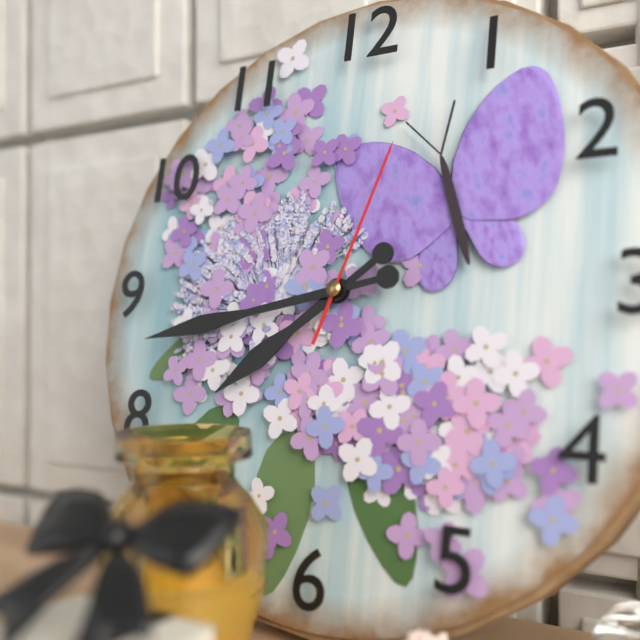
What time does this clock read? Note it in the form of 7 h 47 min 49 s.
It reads 7 h 43 min 03 s
